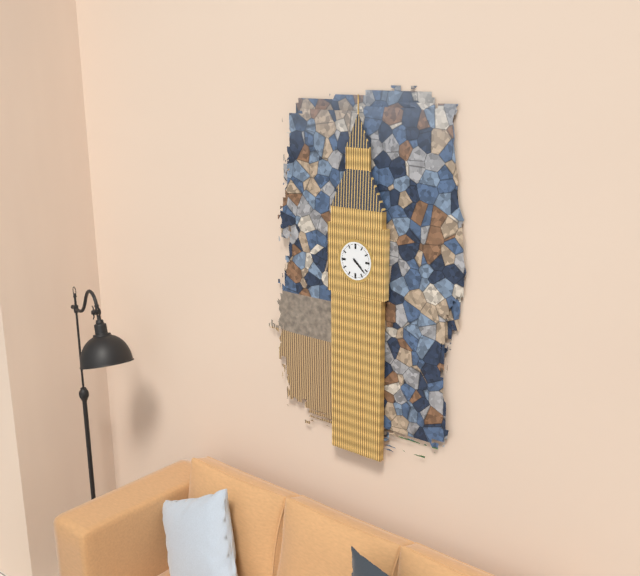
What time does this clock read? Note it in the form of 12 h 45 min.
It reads 4 h 22 min
